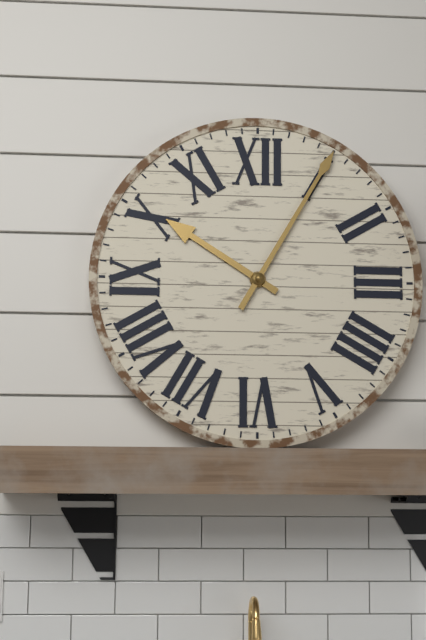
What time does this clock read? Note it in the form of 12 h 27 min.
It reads 10 h 05 min
